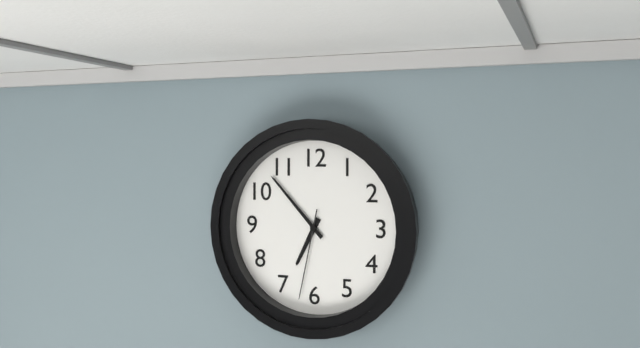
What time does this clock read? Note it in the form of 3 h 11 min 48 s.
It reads 6 h 53 min 32 s
